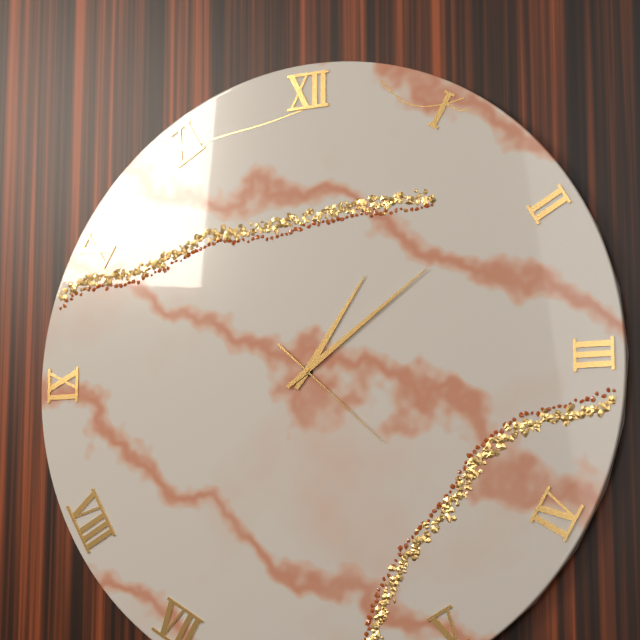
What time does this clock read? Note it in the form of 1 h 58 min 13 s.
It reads 1 h 09 min 22 s
